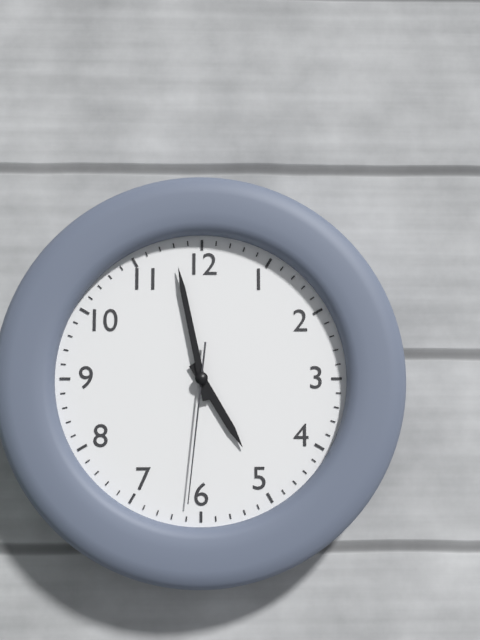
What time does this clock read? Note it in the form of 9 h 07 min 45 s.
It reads 4 h 58 min 31 s
